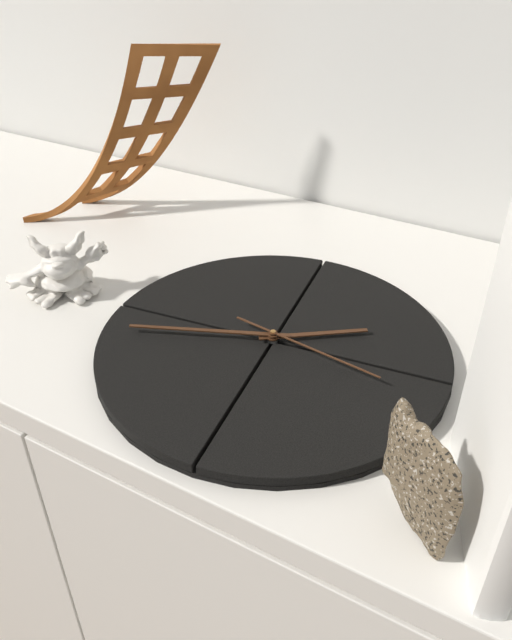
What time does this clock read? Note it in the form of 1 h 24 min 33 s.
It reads 2 h 46 min 21 s
